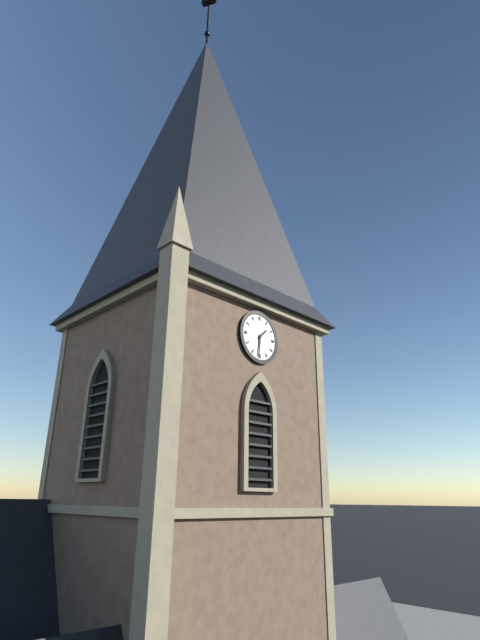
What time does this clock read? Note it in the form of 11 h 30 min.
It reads 1 h 31 min
